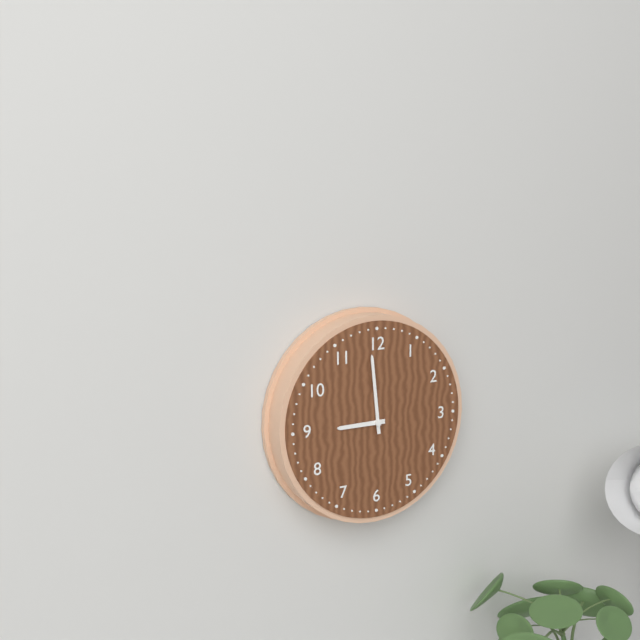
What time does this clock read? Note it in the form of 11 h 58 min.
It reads 8 h 59 min
